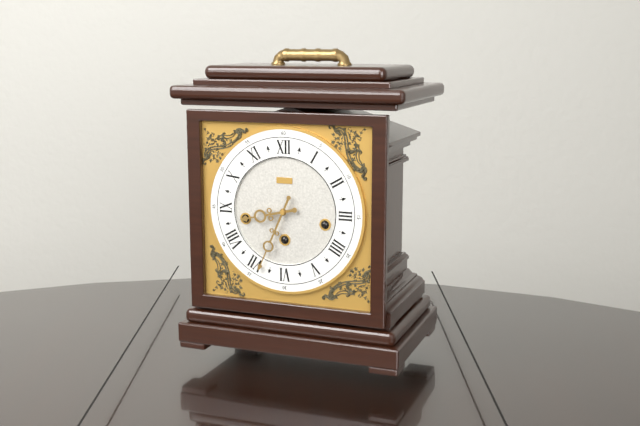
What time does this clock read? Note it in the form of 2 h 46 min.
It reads 8 h 34 min
